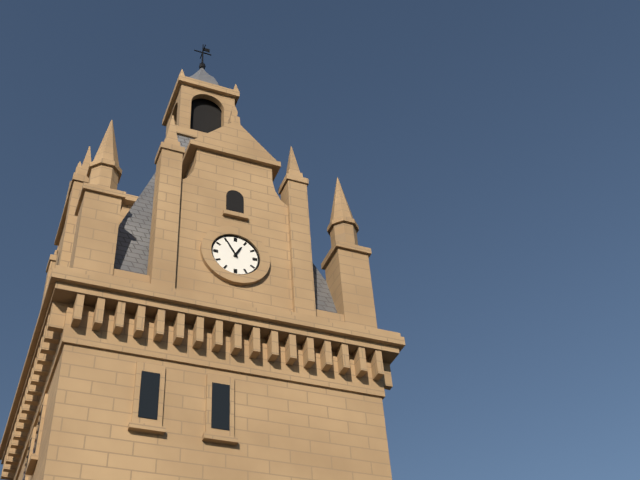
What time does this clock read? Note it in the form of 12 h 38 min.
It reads 12 h 55 min
